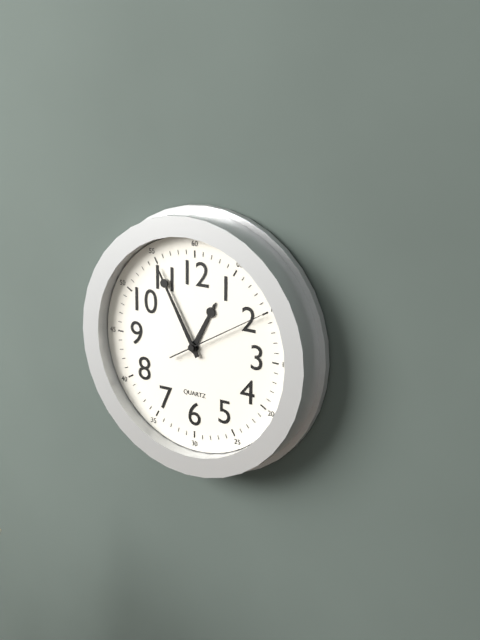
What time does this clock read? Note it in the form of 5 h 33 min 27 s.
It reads 12 h 55 min 10 s
